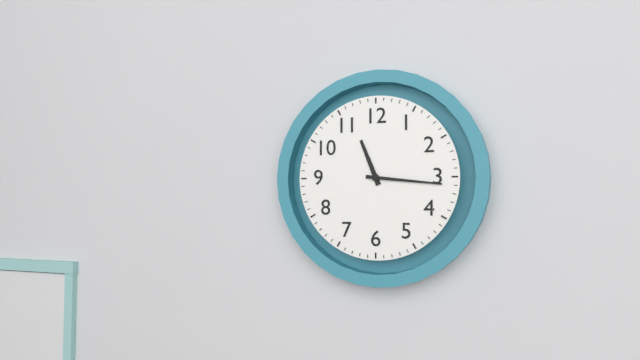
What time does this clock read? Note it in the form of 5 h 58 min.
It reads 11 h 16 min
